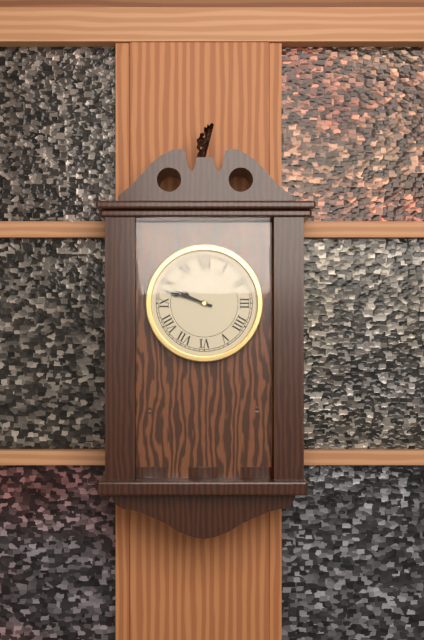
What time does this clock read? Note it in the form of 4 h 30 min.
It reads 9 h 48 min
